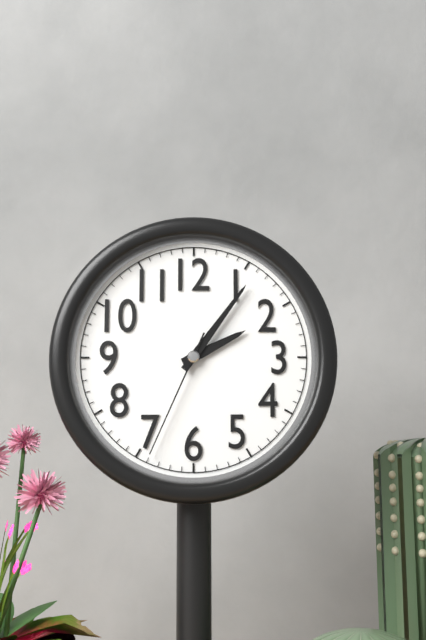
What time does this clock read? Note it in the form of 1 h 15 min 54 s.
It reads 2 h 06 min 34 s
